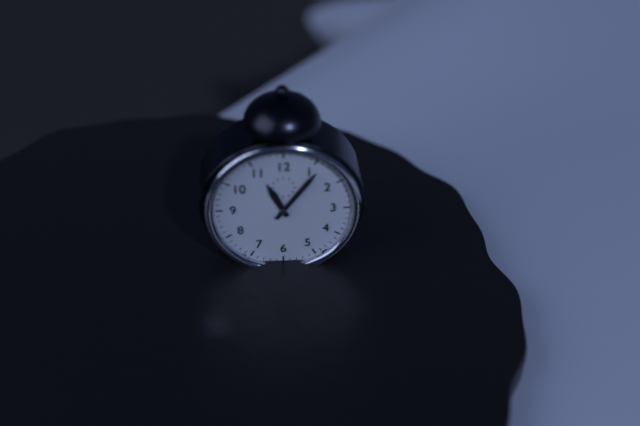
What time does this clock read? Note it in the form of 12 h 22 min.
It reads 11 h 06 min
